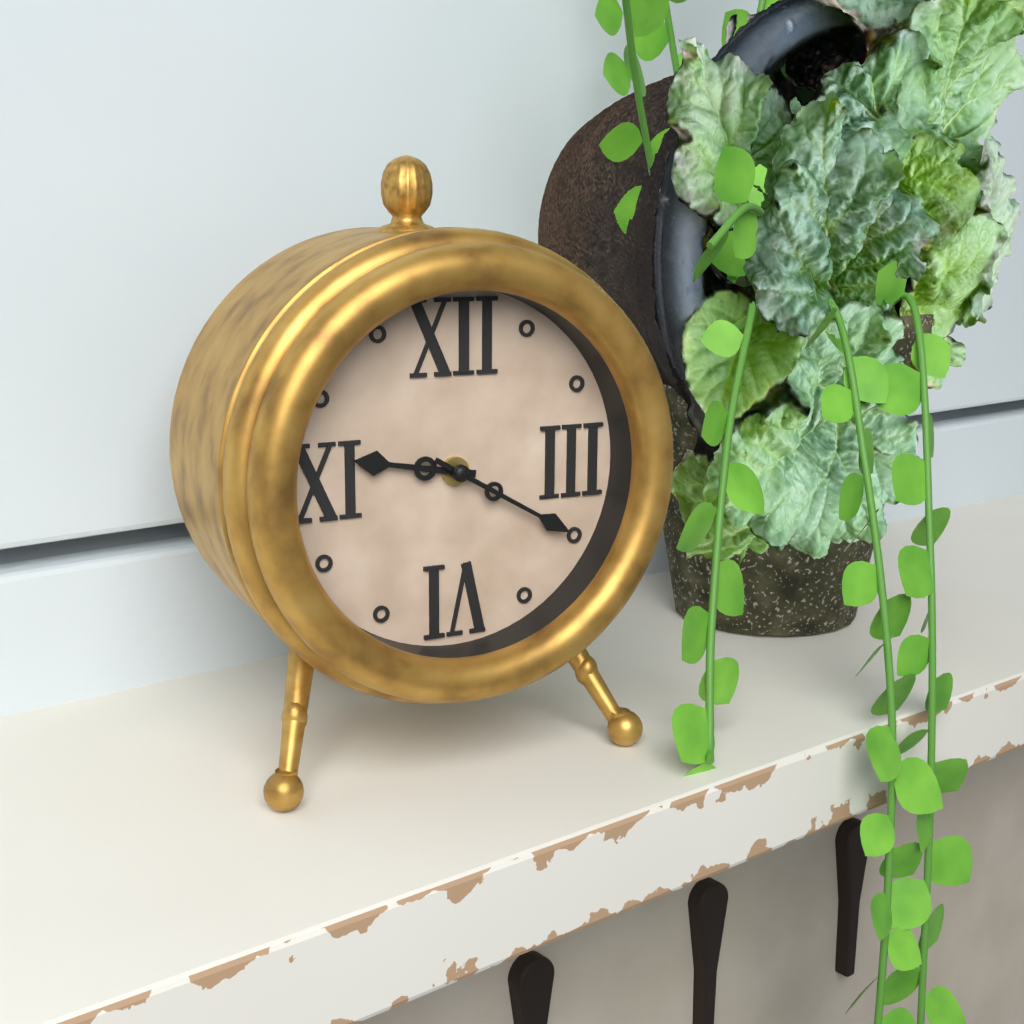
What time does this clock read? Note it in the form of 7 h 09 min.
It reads 9 h 20 min
